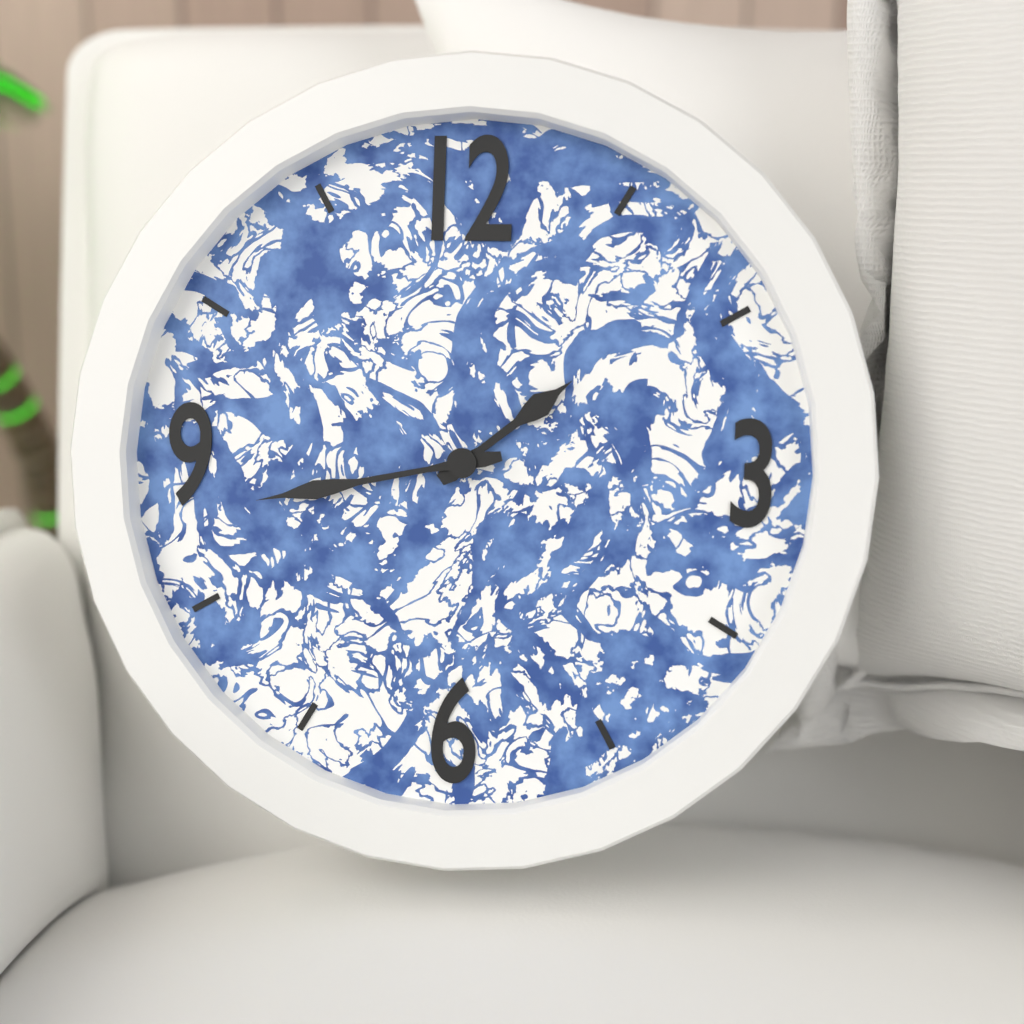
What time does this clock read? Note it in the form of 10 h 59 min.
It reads 1 h 43 min
